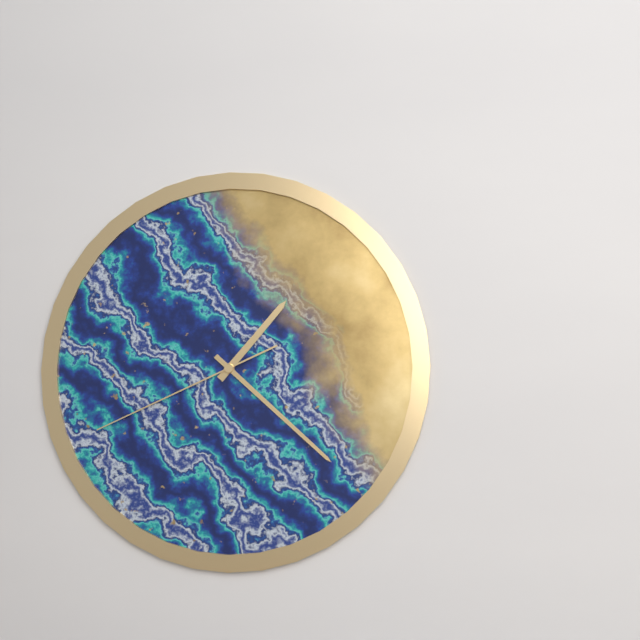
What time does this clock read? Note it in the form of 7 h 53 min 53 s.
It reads 1 h 22 min 41 s
